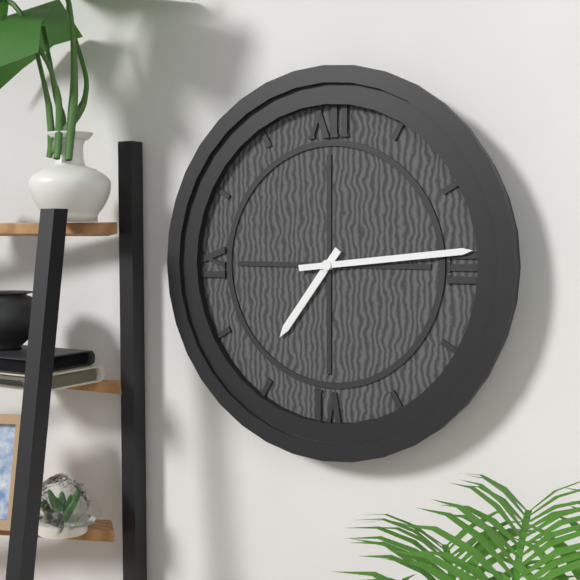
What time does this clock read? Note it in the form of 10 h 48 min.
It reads 7 h 14 min
